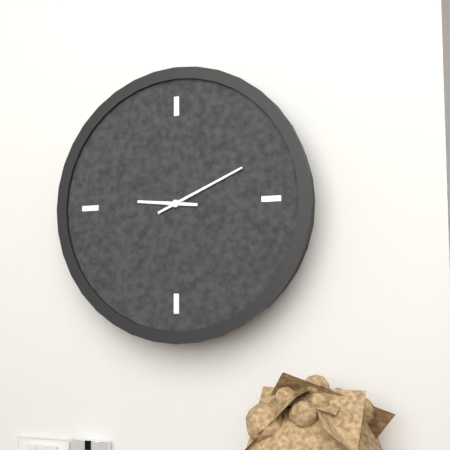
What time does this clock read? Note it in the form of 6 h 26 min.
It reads 9 h 11 min
